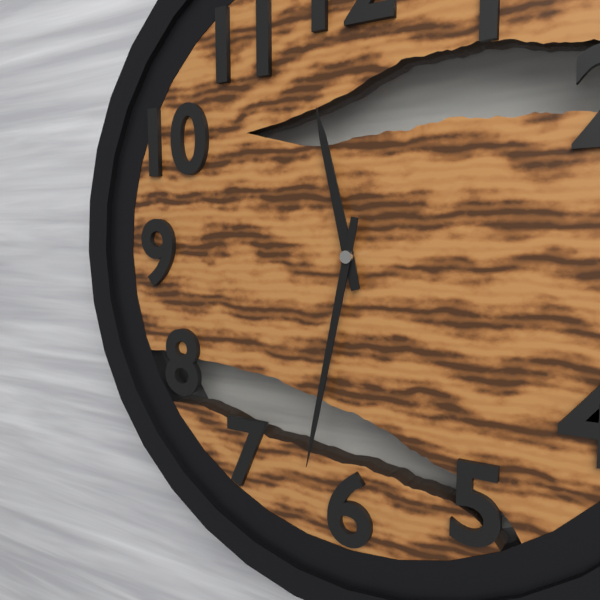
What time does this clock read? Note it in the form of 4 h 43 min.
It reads 11 h 32 min
